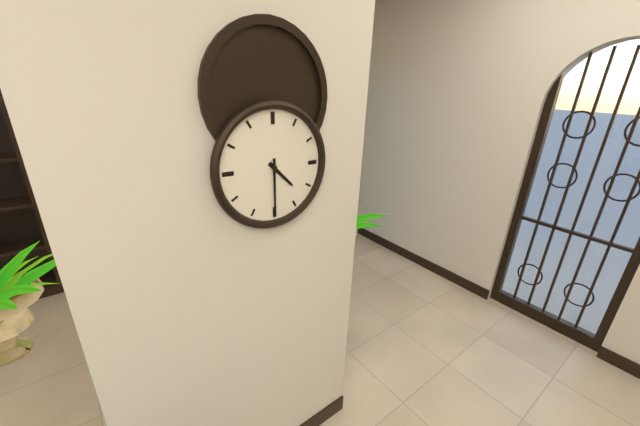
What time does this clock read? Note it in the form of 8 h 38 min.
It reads 4 h 30 min
